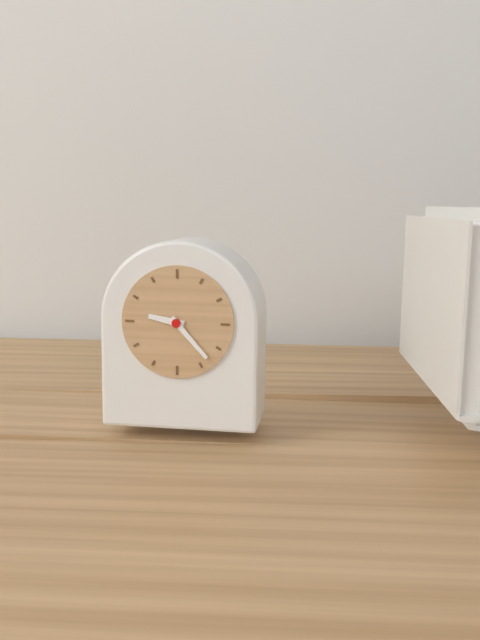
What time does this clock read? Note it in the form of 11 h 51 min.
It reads 9 h 23 min
